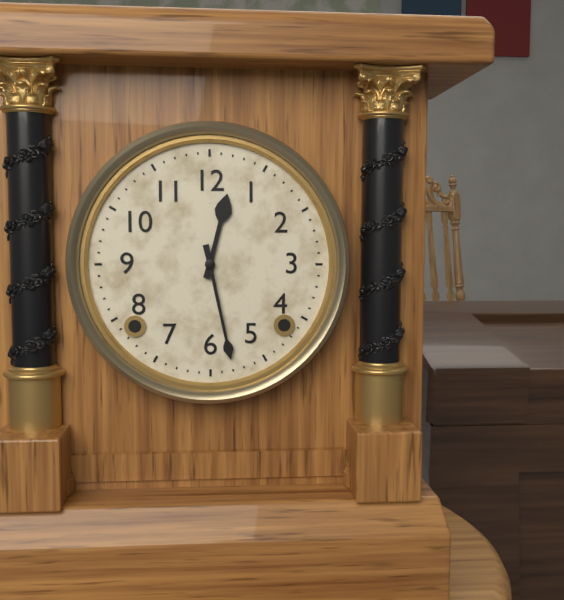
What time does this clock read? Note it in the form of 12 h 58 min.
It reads 12 h 28 min
